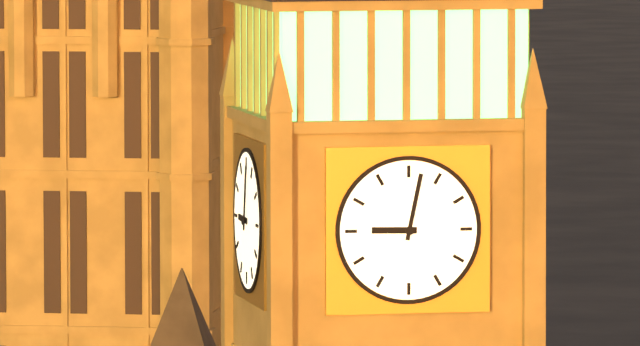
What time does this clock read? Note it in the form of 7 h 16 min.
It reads 9 h 02 min
